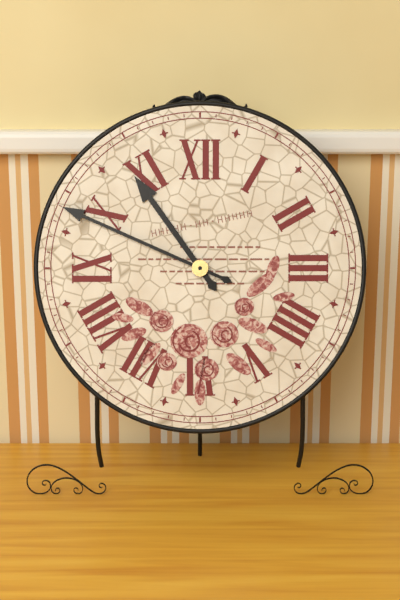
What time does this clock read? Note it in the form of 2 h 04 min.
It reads 10 h 49 min
